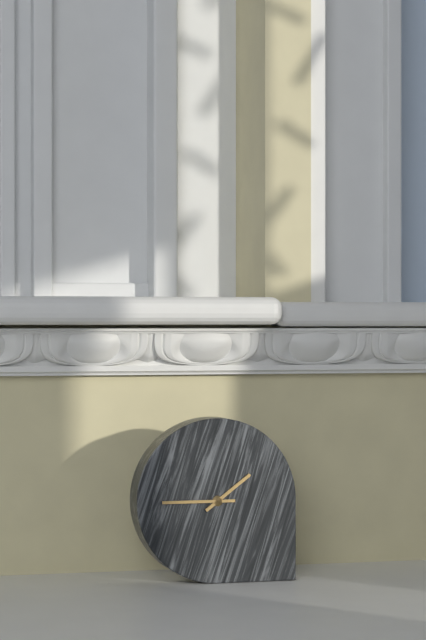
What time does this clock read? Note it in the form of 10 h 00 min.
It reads 1 h 45 min
